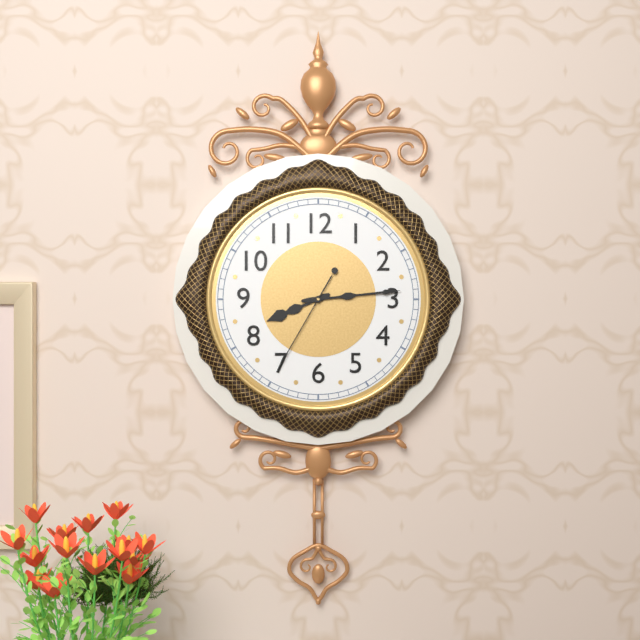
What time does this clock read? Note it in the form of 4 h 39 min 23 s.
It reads 8 h 14 min 35 s
